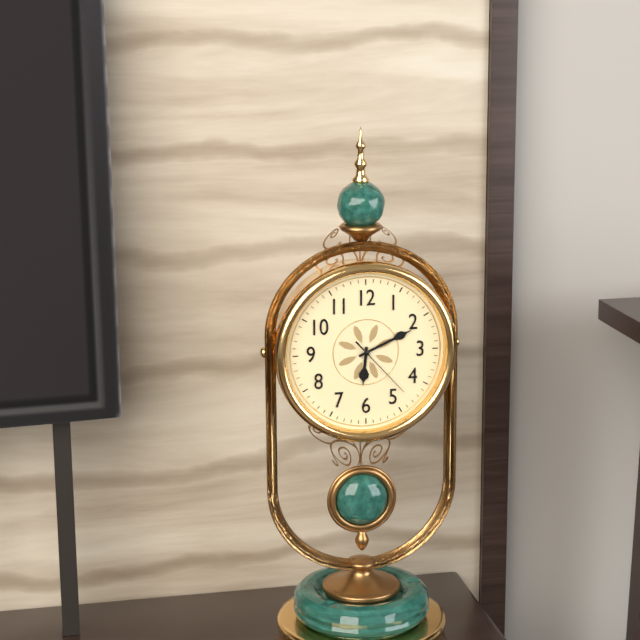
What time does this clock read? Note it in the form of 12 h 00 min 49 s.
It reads 6 h 11 min 23 s
